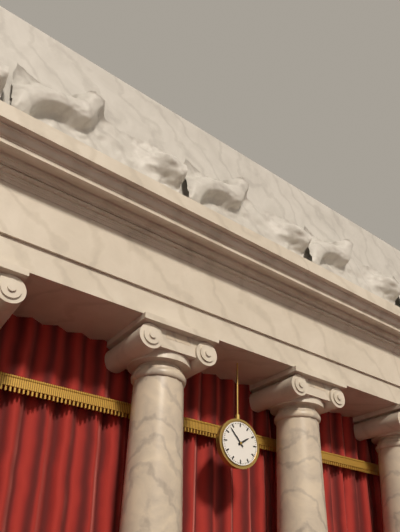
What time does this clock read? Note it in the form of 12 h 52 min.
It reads 1 h 53 min
